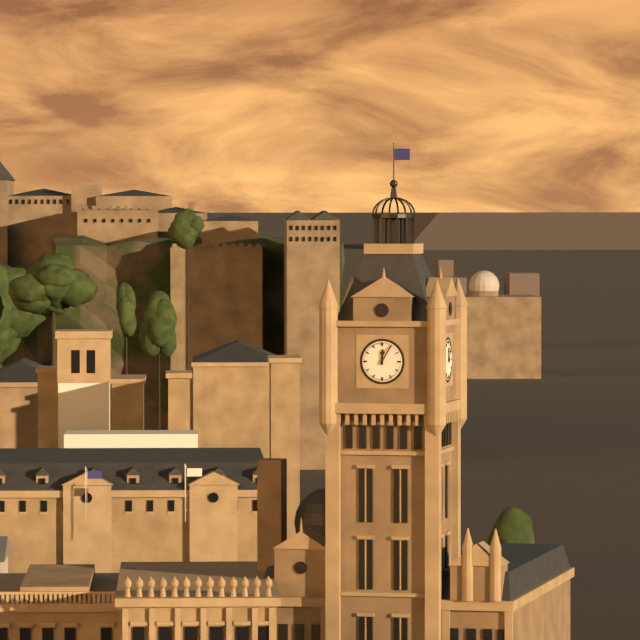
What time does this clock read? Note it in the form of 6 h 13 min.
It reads 12 h 05 min
